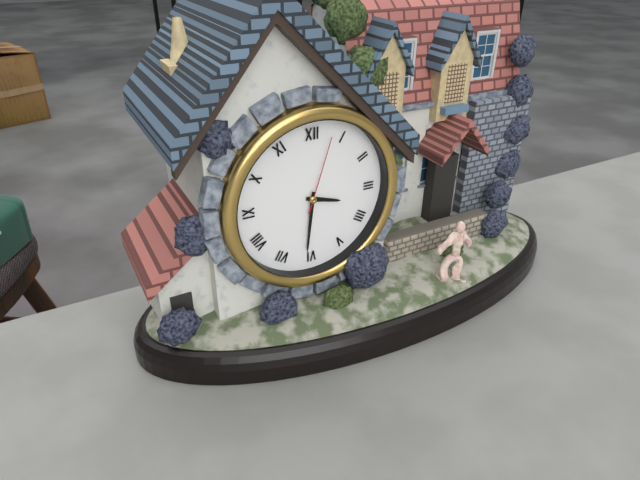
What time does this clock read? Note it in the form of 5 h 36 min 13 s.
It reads 3 h 31 min 03 s
